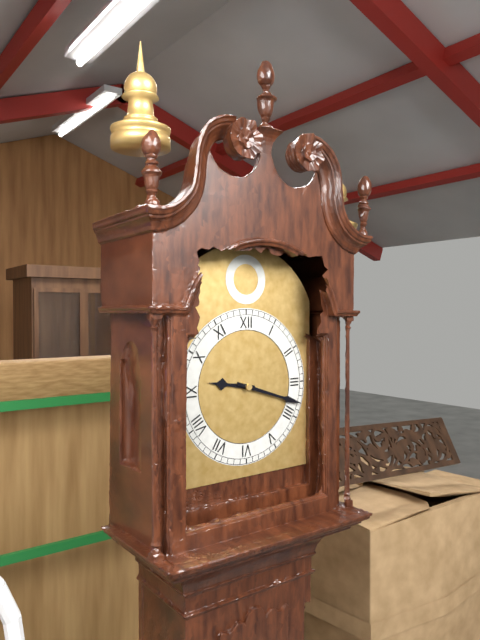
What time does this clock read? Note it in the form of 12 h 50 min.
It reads 9 h 18 min
